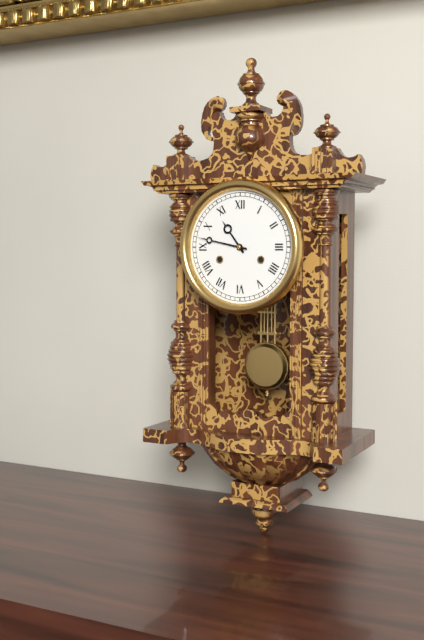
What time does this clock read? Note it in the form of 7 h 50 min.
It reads 10 h 47 min
